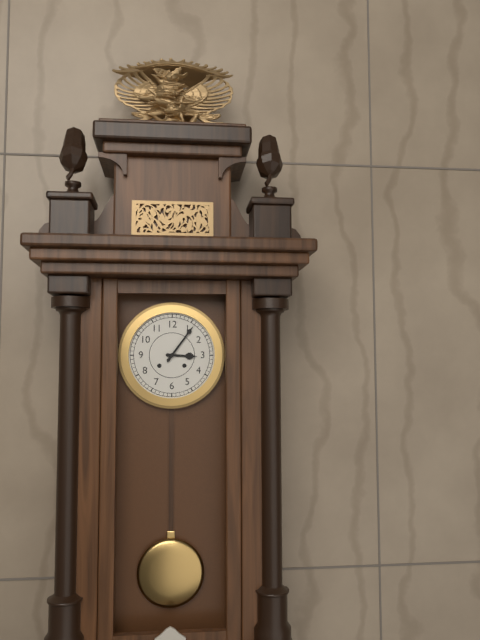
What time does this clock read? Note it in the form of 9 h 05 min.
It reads 3 h 06 min
